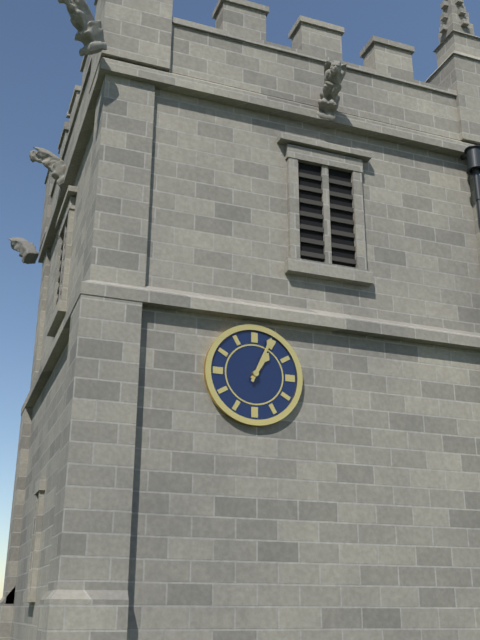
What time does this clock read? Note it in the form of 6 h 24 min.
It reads 1 h 04 min
